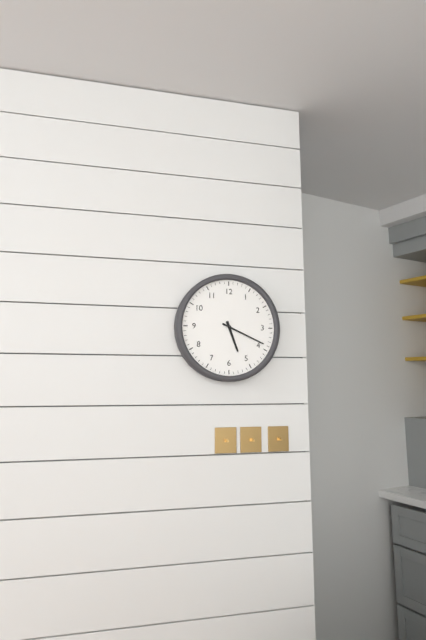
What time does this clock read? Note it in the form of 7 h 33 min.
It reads 5 h 19 min
